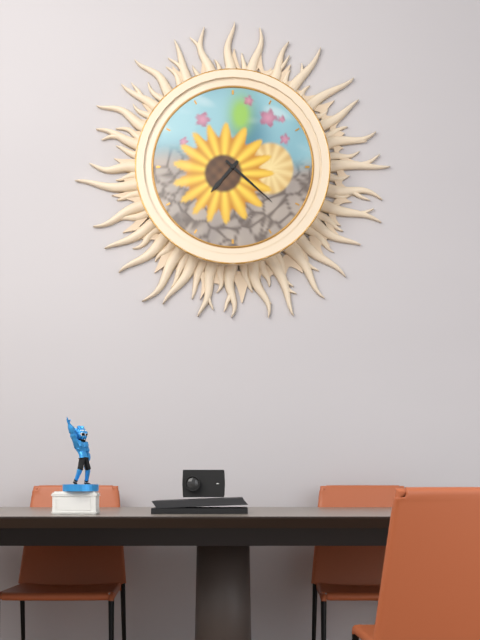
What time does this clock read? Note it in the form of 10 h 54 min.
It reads 7 h 22 min
